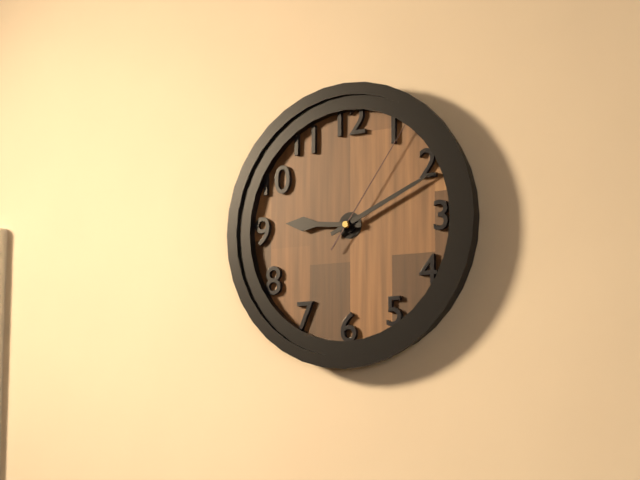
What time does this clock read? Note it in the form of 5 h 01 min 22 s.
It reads 9 h 11 min 06 s
